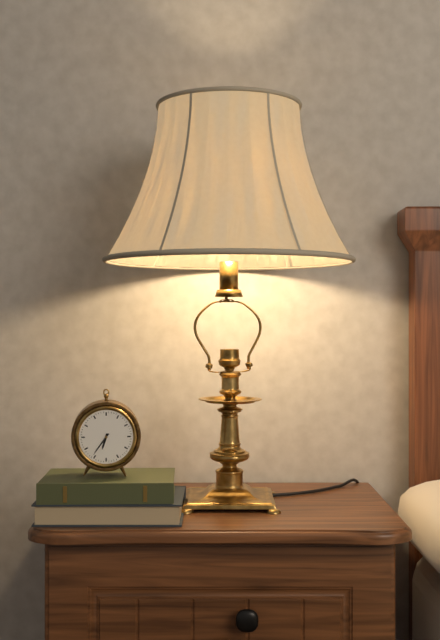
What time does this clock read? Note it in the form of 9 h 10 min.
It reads 6 h 36 min
